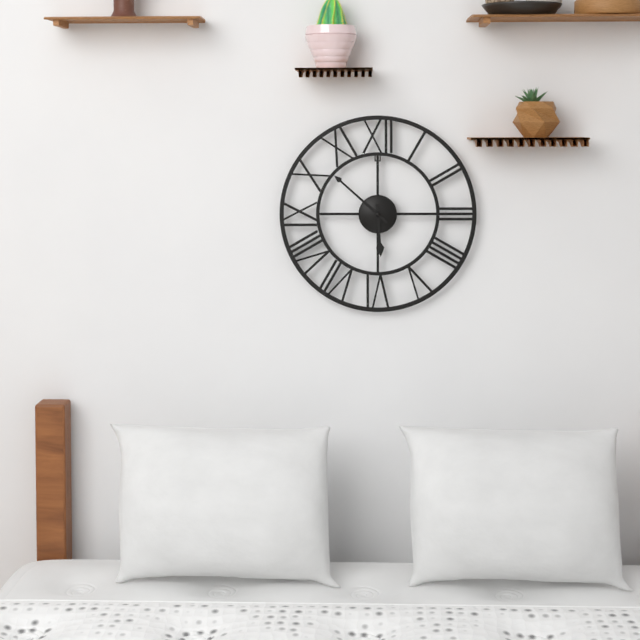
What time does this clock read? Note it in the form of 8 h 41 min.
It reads 5 h 52 min
